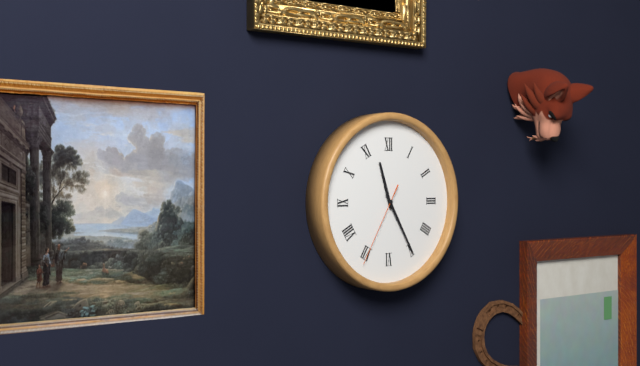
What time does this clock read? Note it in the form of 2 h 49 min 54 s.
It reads 11 h 25 min 35 s
